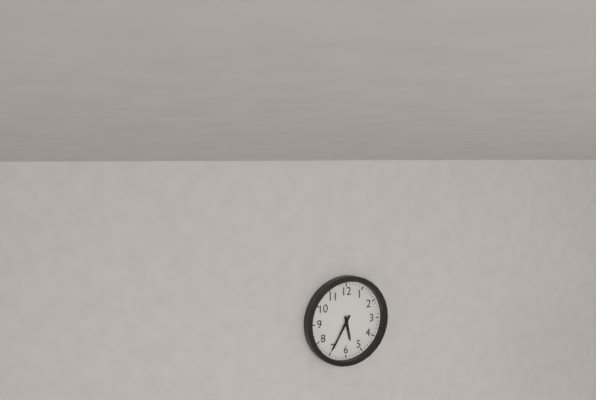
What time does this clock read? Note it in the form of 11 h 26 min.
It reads 5 h 35 min
